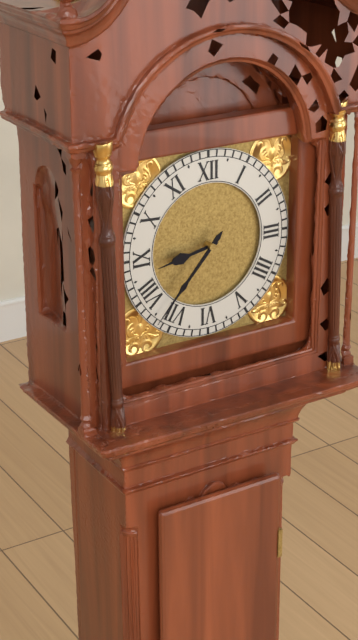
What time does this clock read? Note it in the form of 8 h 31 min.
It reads 8 h 37 min
